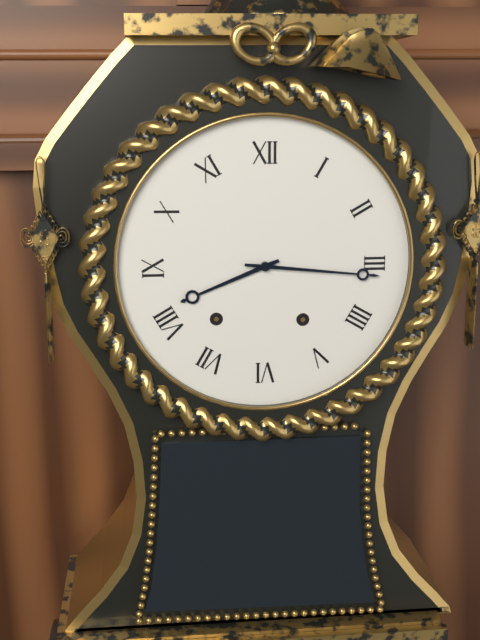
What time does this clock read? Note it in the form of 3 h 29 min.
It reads 8 h 16 min
